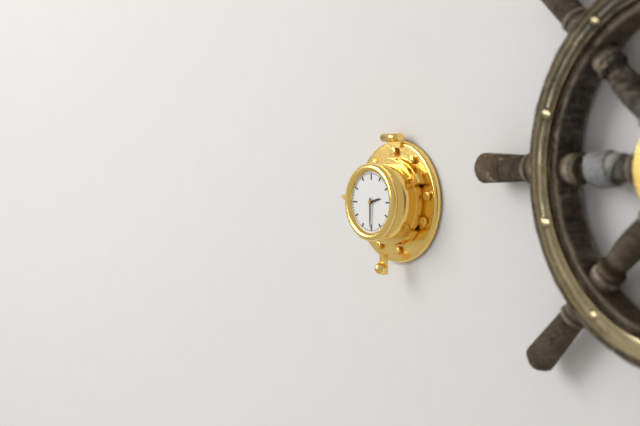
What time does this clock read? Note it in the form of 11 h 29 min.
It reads 2 h 30 min
